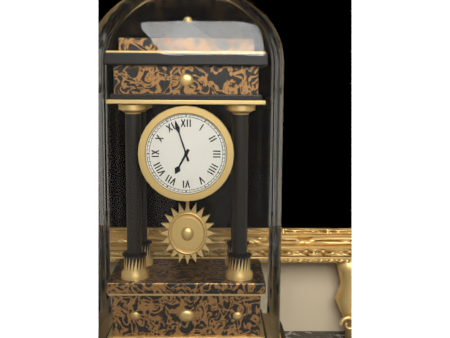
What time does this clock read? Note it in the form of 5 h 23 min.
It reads 6 h 57 min
